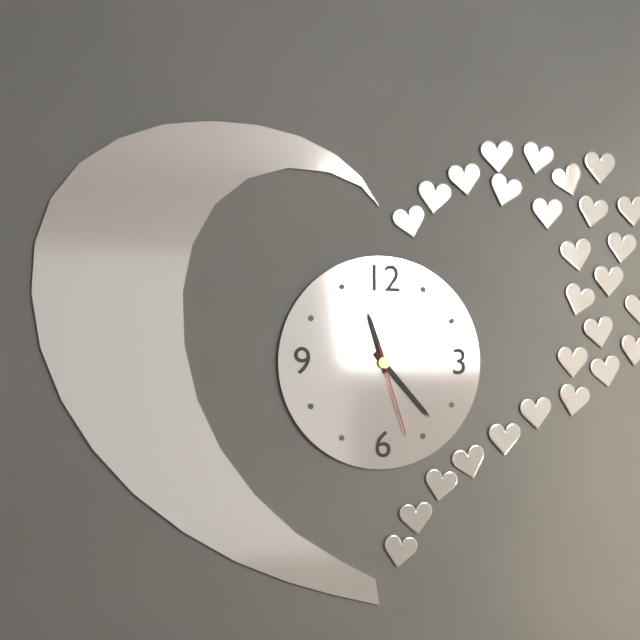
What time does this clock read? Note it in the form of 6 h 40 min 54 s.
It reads 11 h 23 min 27 s
